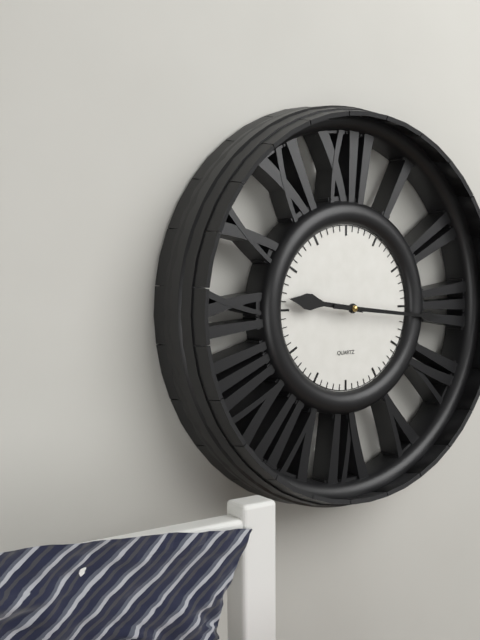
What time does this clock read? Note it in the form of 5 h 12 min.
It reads 9 h 16 min
